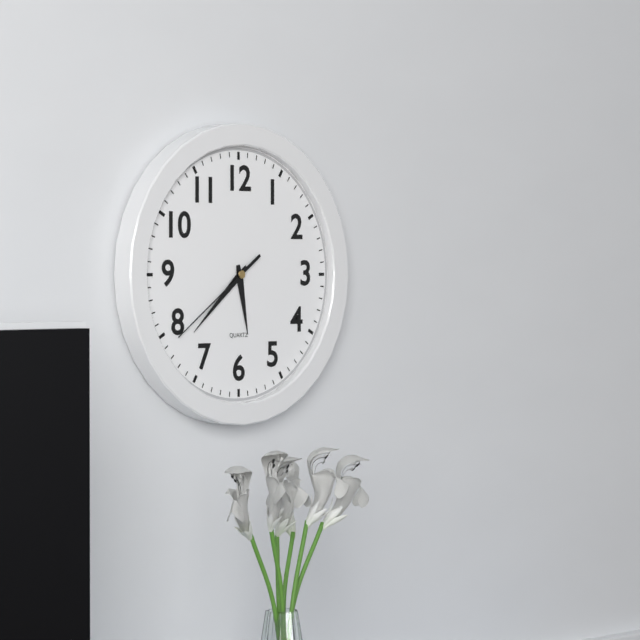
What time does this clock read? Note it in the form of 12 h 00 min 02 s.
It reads 5 h 38 min 39 s
